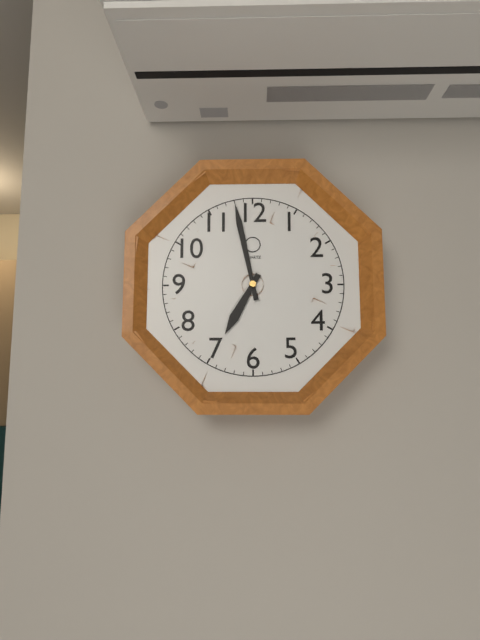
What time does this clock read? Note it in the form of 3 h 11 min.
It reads 6 h 58 min
